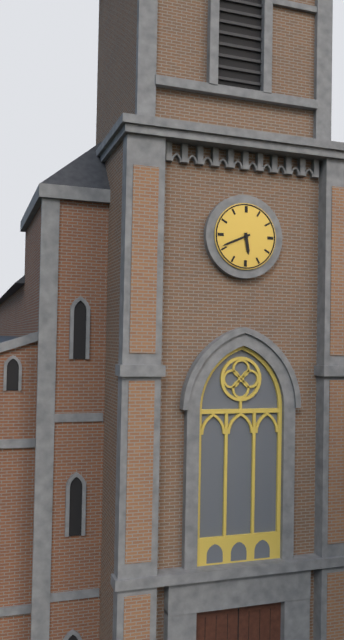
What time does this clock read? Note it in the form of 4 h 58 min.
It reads 5 h 41 min
